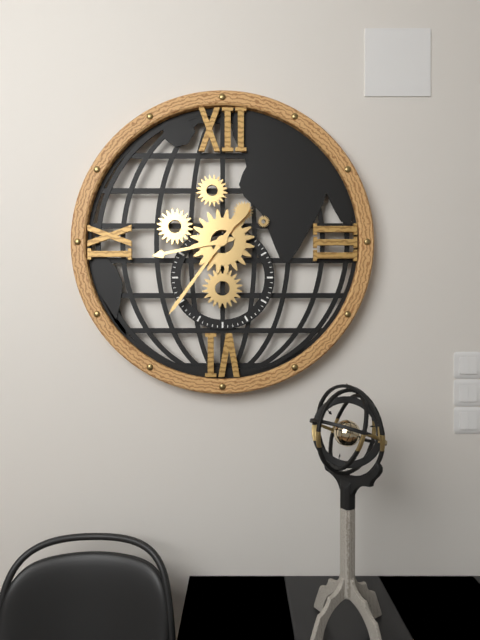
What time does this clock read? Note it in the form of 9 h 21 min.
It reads 8 h 36 min
